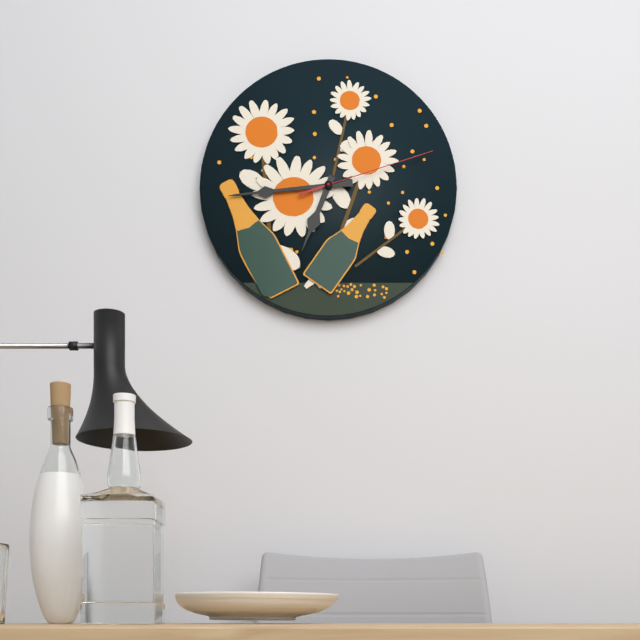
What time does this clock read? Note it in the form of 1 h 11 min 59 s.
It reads 6 h 44 min 12 s
